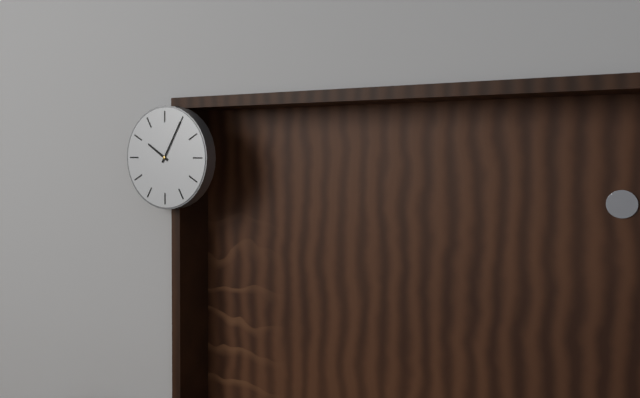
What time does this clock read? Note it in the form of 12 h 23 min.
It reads 10 h 05 min
